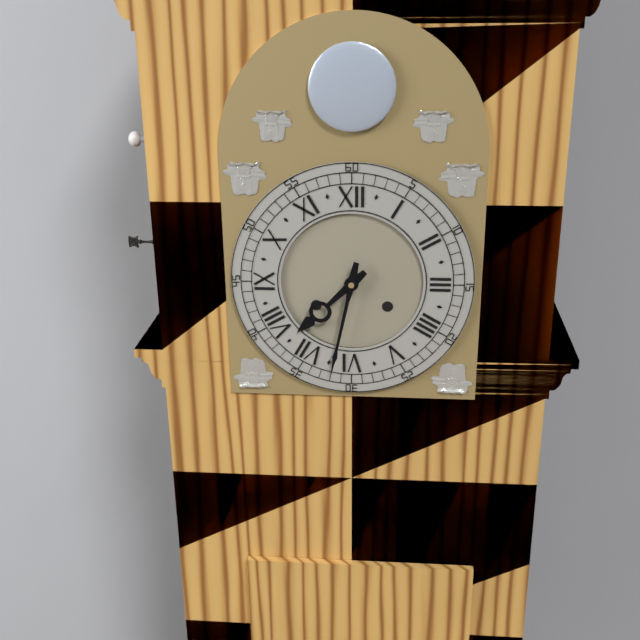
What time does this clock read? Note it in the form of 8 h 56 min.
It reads 7 h 32 min
